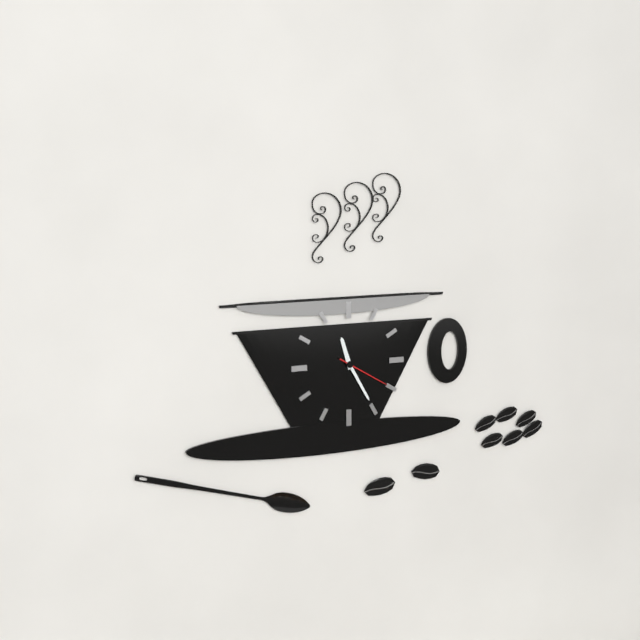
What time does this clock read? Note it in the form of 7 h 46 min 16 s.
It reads 11 h 25 min 20 s
